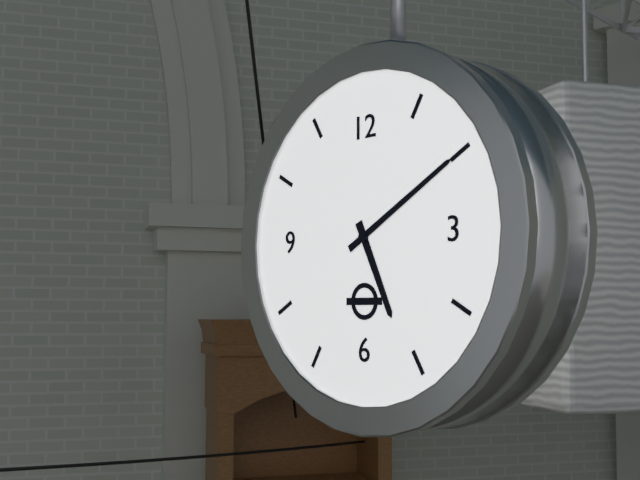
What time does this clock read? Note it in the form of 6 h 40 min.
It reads 5 h 10 min
